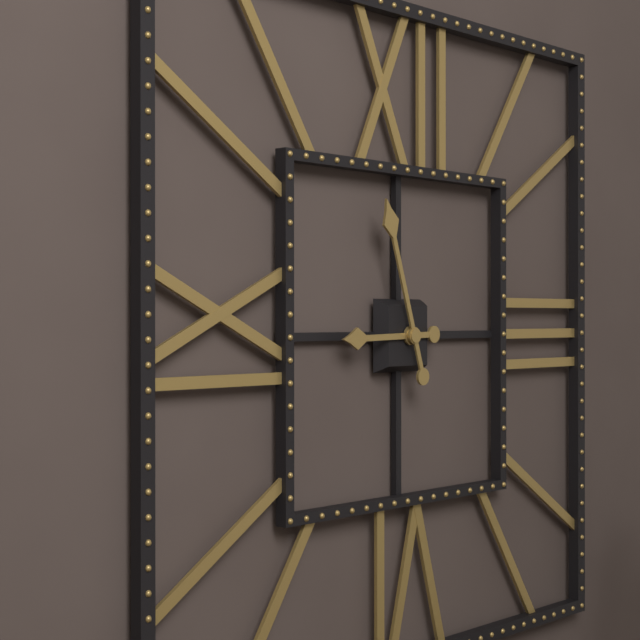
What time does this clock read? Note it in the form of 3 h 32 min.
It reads 8 h 57 min
